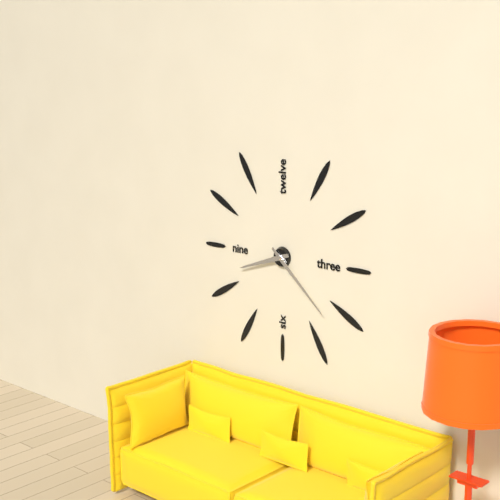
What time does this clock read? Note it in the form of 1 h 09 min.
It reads 8 h 22 min
